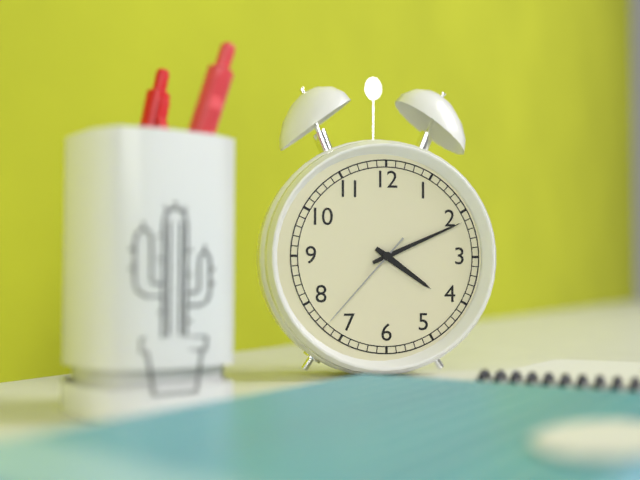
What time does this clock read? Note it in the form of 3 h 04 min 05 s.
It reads 4 h 11 min 37 s
